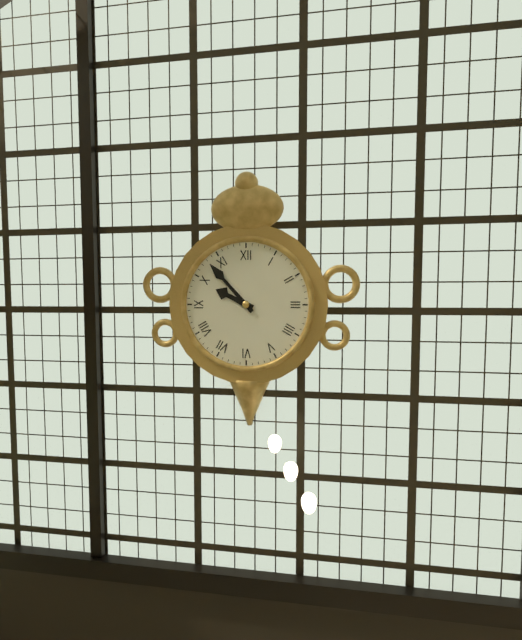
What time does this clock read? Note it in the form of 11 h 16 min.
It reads 9 h 53 min
